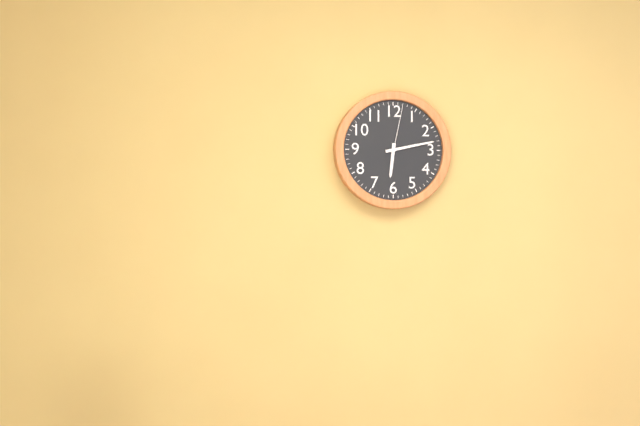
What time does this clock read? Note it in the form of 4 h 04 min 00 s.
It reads 6 h 13 min 02 s
